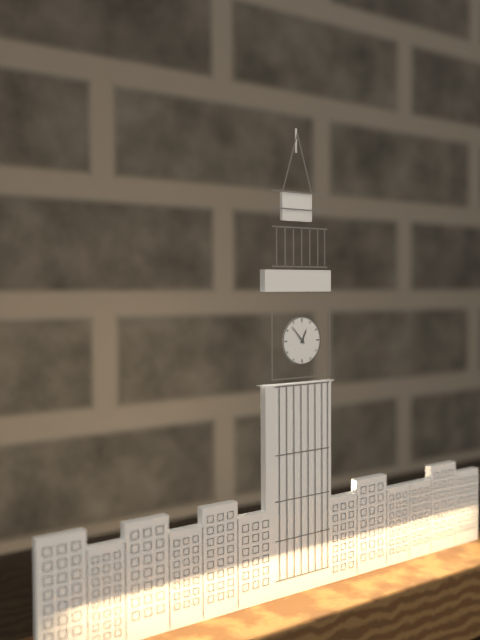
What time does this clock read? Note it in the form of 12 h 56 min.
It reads 12 h 53 min
